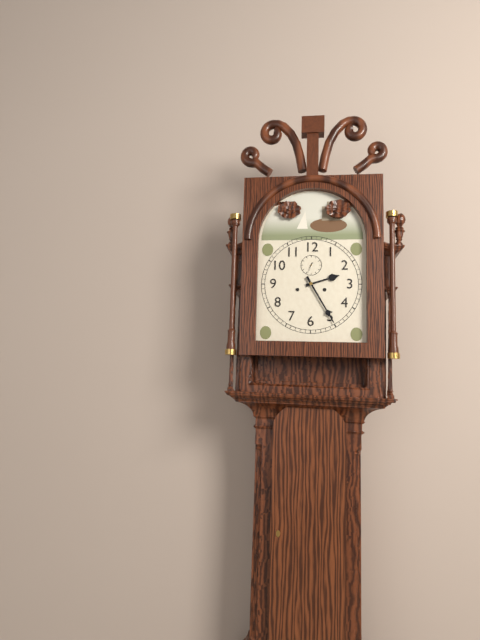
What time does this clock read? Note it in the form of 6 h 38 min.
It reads 2 h 25 min
